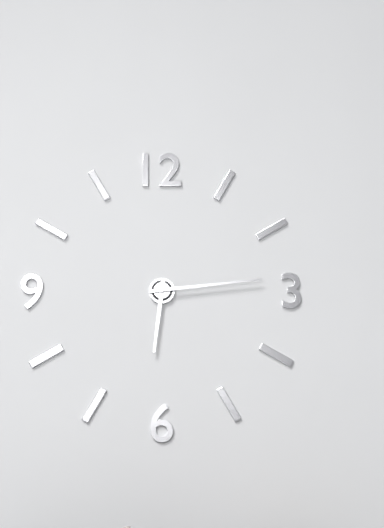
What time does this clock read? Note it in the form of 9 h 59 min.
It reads 6 h 14 min
